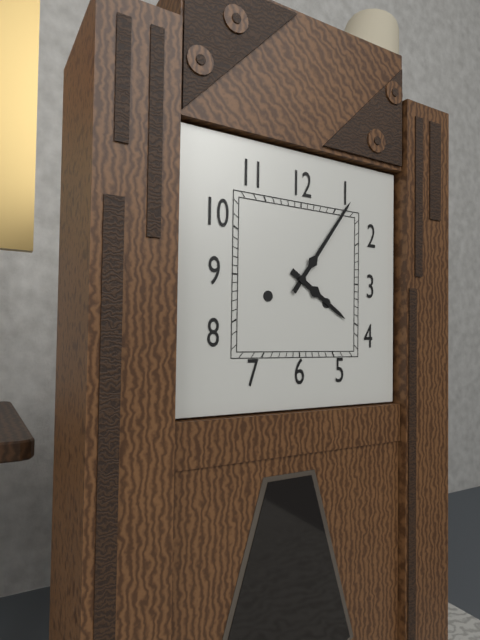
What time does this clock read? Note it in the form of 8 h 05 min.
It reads 4 h 06 min
